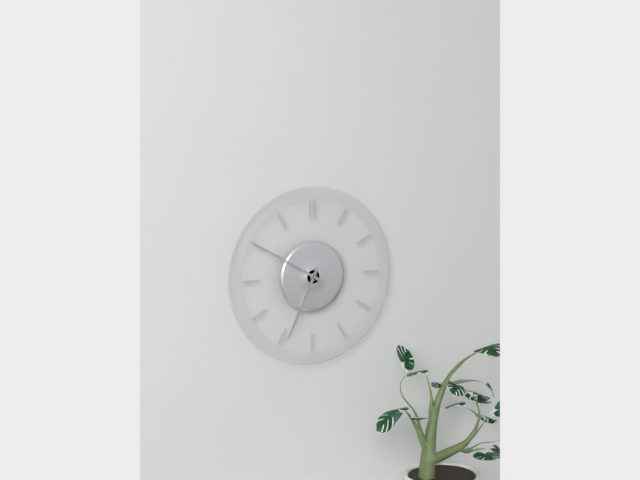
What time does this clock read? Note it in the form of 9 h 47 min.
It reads 6 h 50 min
